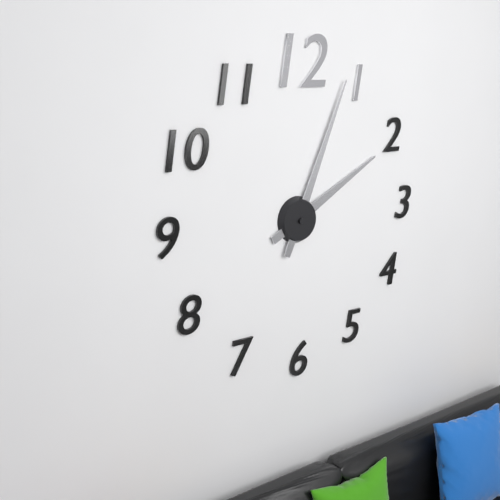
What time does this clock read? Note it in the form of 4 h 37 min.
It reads 2 h 04 min
